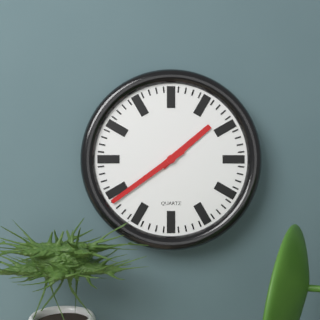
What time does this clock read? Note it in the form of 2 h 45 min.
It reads 1 h 39 min
